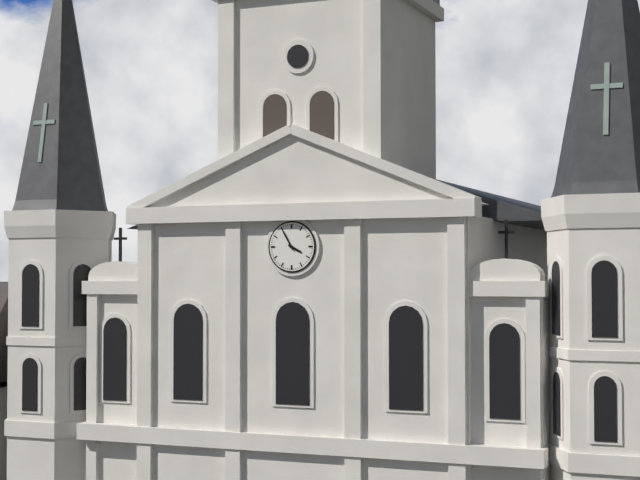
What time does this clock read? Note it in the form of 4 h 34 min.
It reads 3 h 55 min
